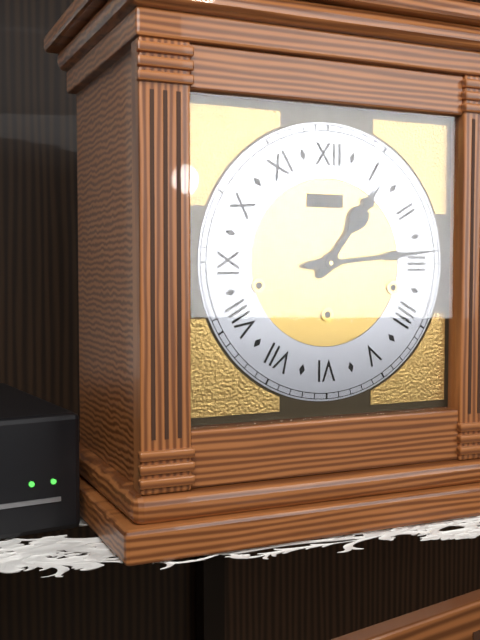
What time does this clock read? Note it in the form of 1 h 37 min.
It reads 1 h 14 min
